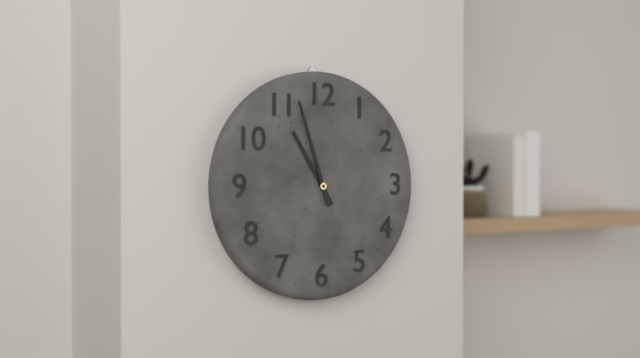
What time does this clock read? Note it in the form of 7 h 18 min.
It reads 10 h 57 min
